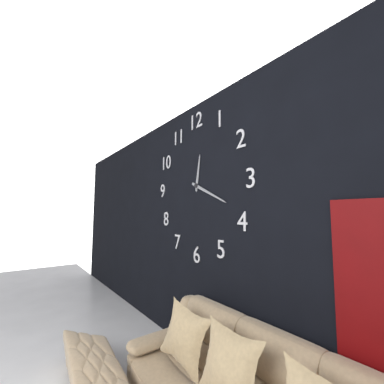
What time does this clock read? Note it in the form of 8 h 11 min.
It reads 12 h 19 min
